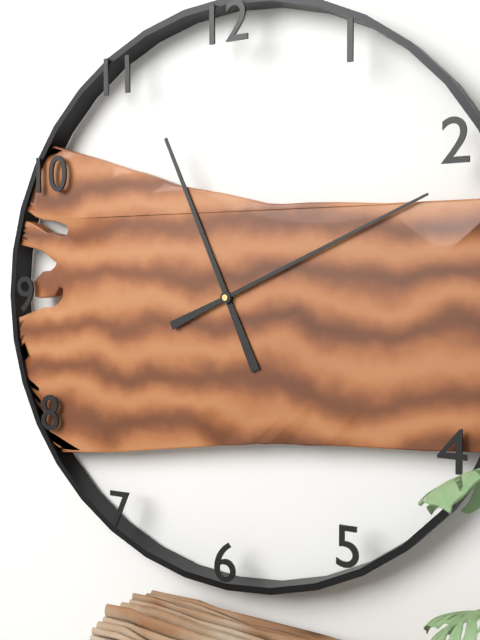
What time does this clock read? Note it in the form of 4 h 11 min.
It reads 11 h 11 min
